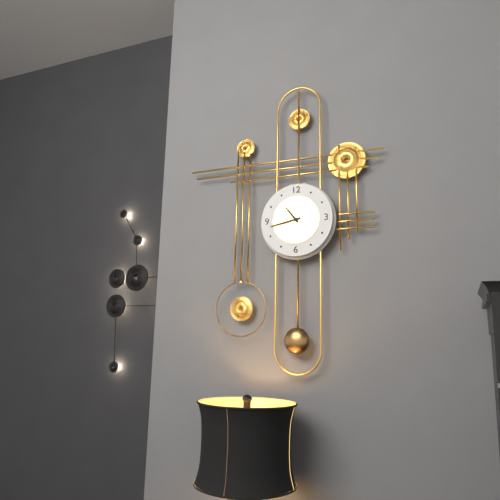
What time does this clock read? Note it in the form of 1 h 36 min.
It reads 10 h 43 min
